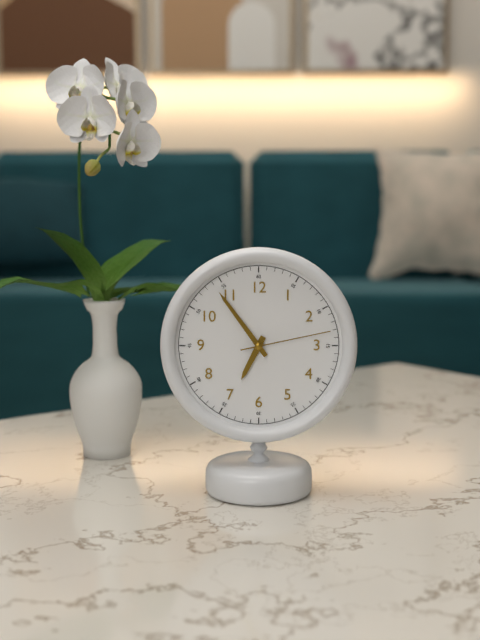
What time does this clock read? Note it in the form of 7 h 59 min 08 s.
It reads 6 h 54 min 13 s
